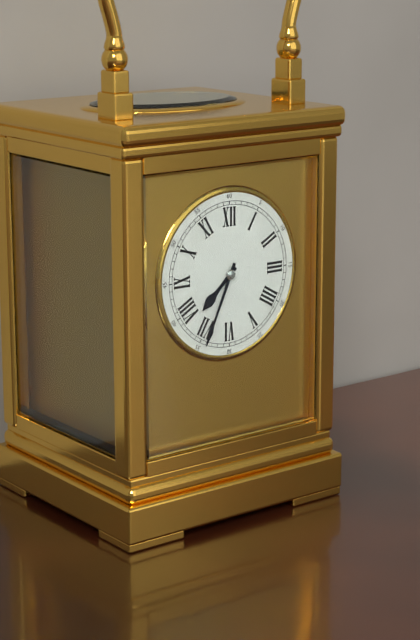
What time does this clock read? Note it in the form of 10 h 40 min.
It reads 7 h 34 min
